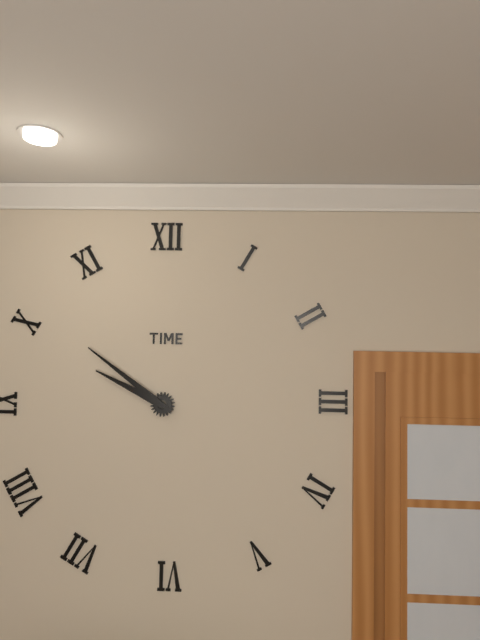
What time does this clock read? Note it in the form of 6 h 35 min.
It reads 9 h 51 min
